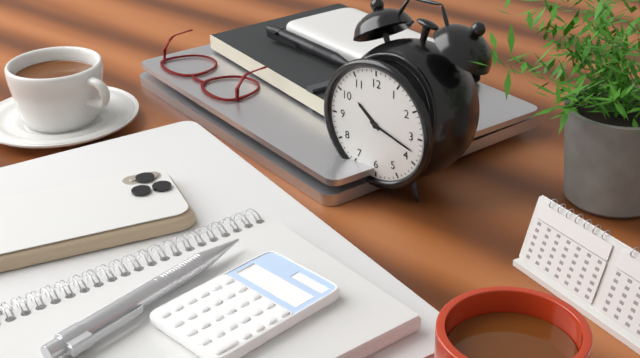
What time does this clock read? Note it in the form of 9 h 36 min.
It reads 10 h 18 min
